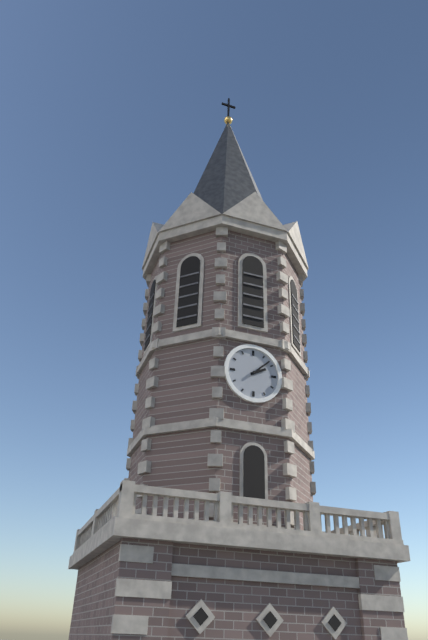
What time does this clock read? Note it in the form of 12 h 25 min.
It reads 2 h 08 min
